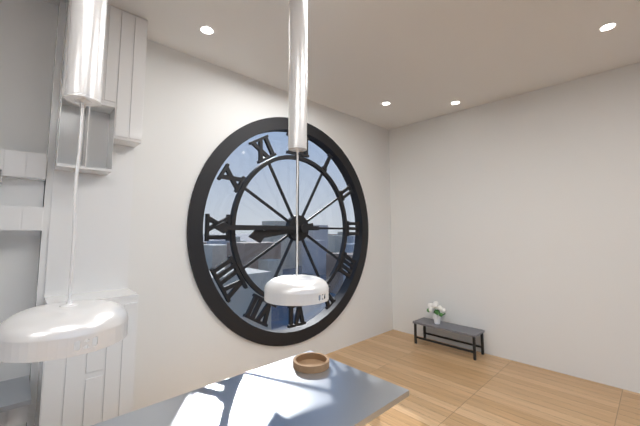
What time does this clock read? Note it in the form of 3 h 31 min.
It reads 8 h 45 min
